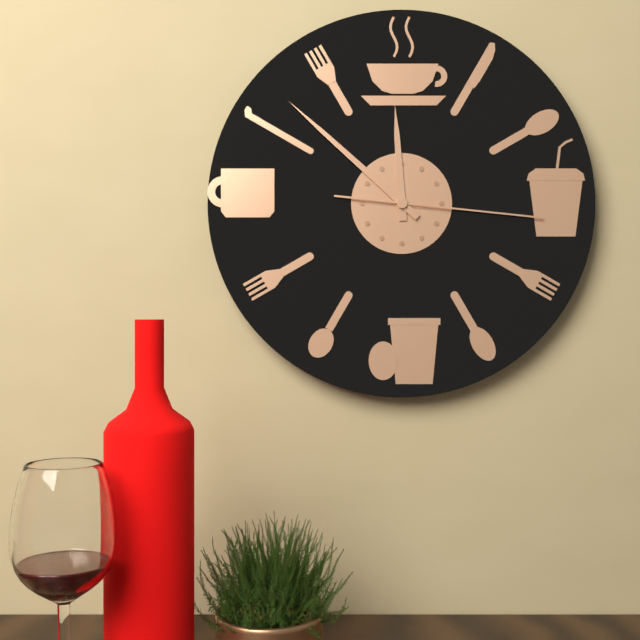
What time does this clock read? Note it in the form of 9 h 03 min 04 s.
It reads 11 h 52 min 16 s
